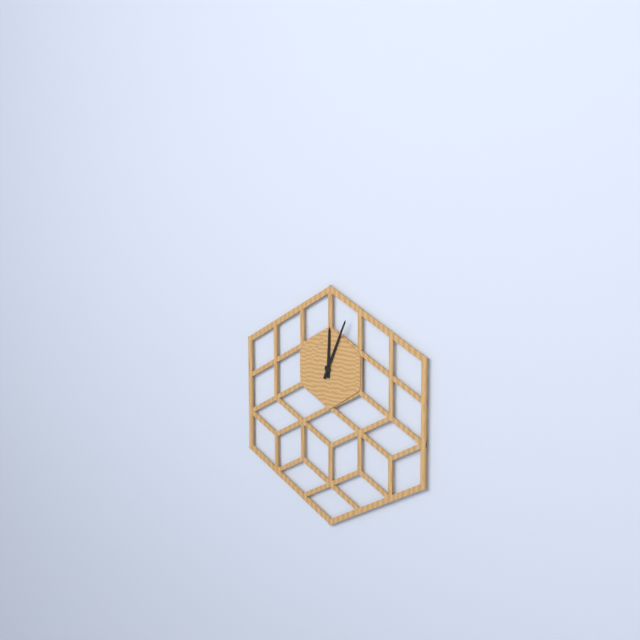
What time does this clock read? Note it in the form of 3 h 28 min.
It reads 12 h 04 min
